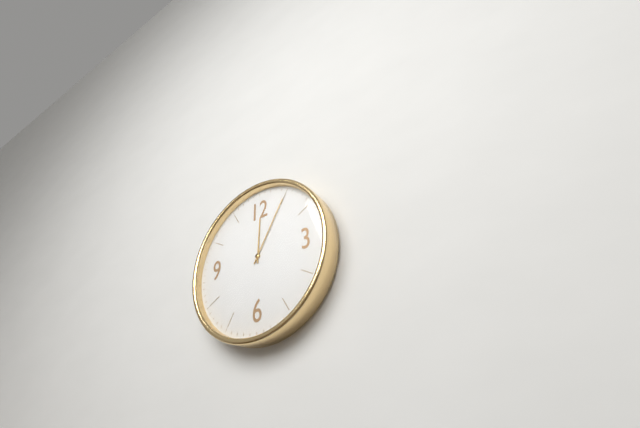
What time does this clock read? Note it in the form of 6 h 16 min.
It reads 12 h 05 min
